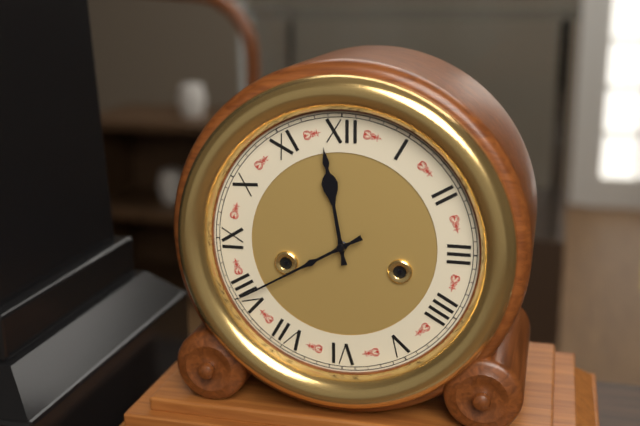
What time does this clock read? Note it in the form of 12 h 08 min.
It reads 11 h 40 min
